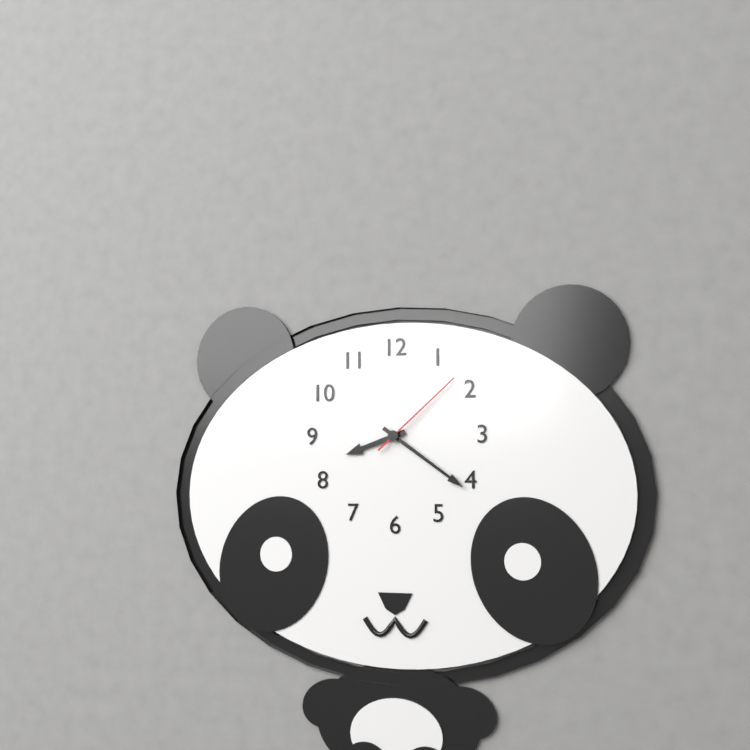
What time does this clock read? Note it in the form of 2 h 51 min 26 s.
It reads 8 h 21 min 08 s
